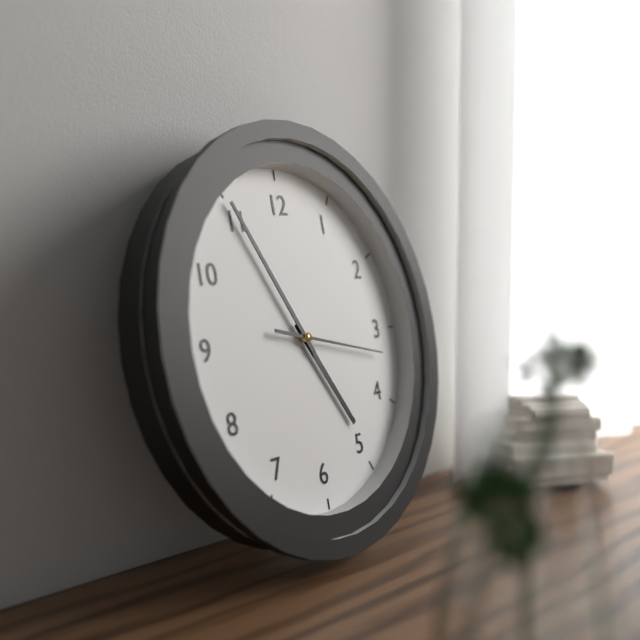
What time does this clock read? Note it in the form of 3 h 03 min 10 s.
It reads 4 h 55 min 17 s
